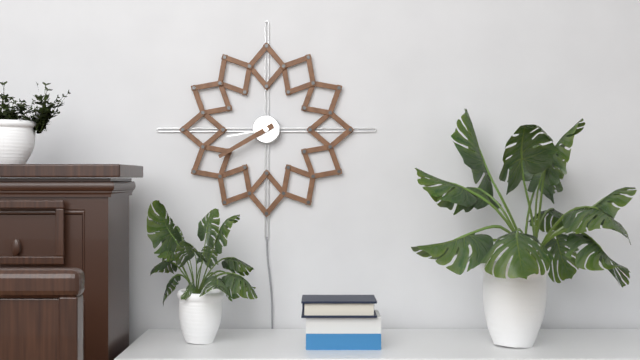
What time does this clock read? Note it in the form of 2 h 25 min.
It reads 8 h 40 min
